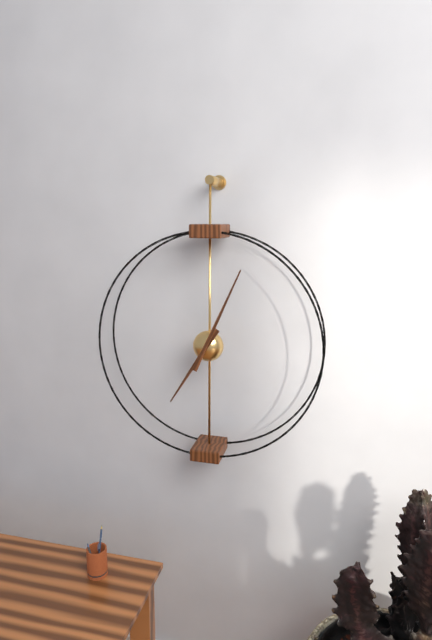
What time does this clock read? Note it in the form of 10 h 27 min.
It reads 7 h 04 min
